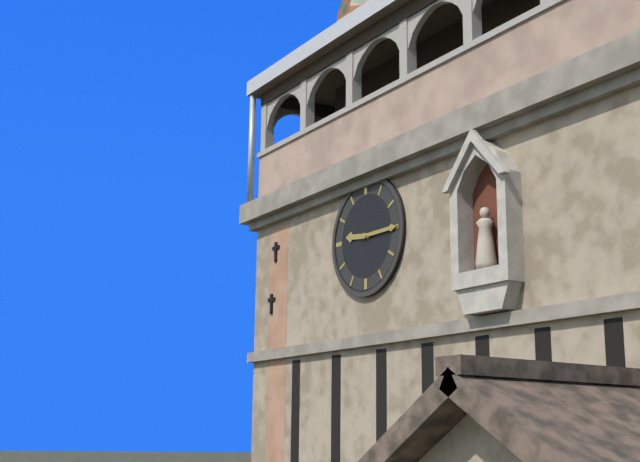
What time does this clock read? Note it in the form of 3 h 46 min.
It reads 9 h 15 min
